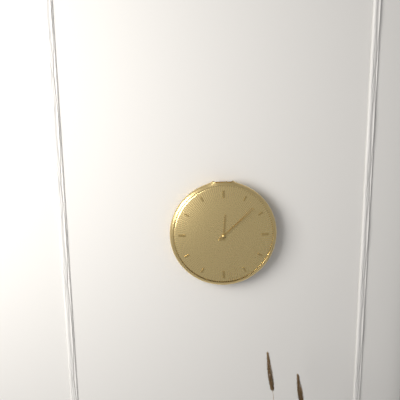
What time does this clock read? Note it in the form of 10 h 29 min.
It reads 12 h 08 min
